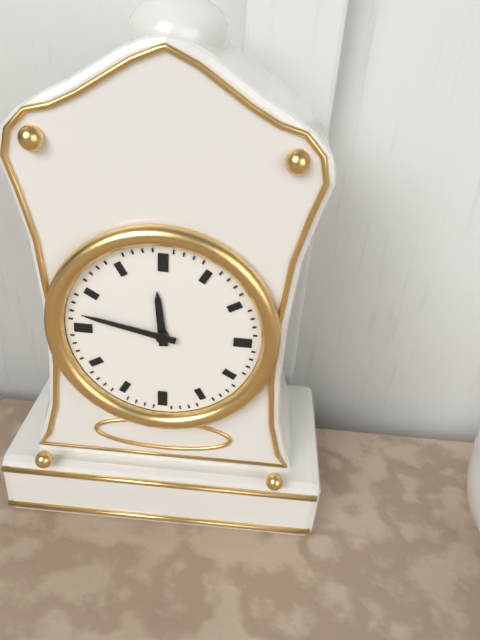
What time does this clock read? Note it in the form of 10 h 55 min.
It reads 11 h 47 min
